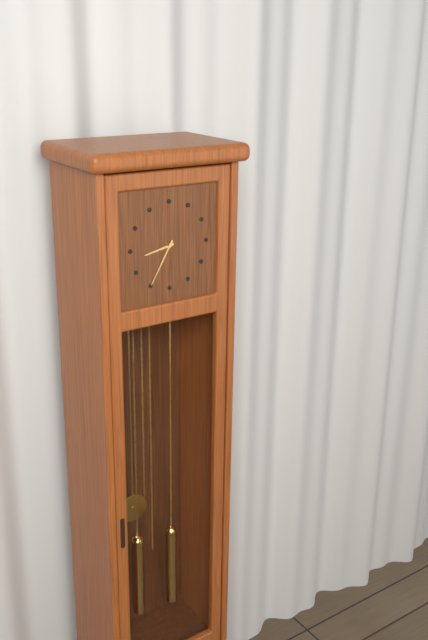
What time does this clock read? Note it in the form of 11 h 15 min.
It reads 8 h 35 min
